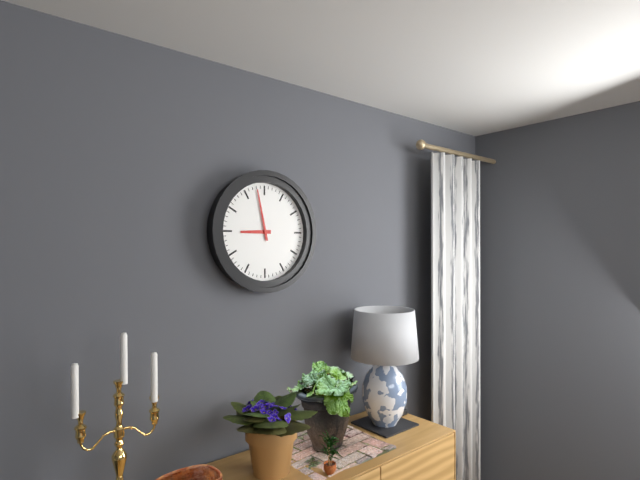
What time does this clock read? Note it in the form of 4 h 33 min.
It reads 8 h 58 min
